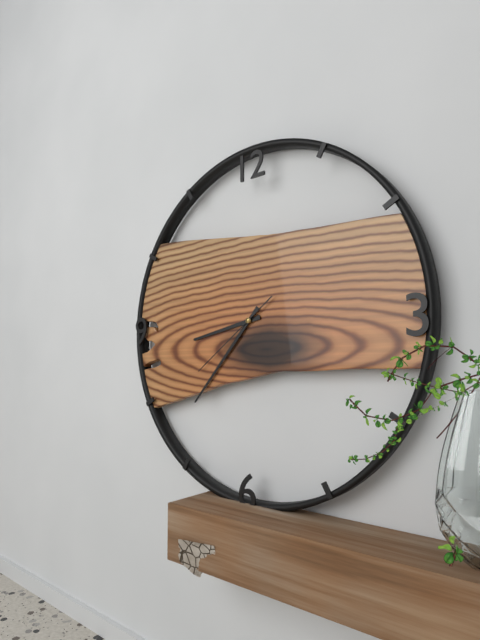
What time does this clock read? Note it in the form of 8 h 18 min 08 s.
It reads 8 h 37 min 39 s
